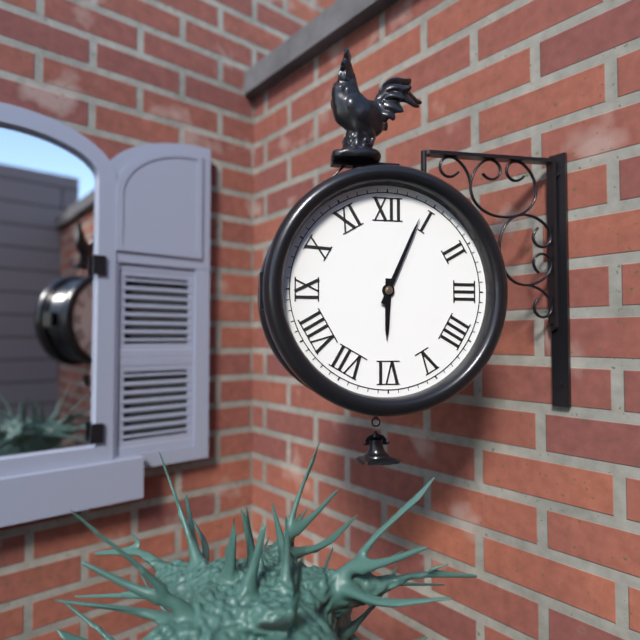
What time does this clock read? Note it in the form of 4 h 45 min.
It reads 6 h 04 min
